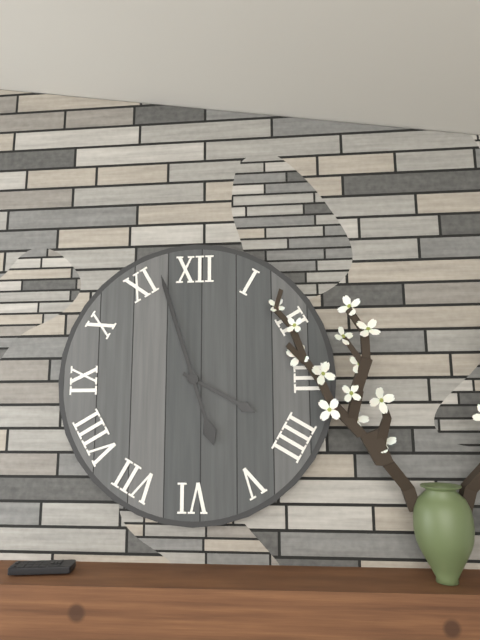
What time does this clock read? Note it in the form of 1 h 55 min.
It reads 3 h 57 min
